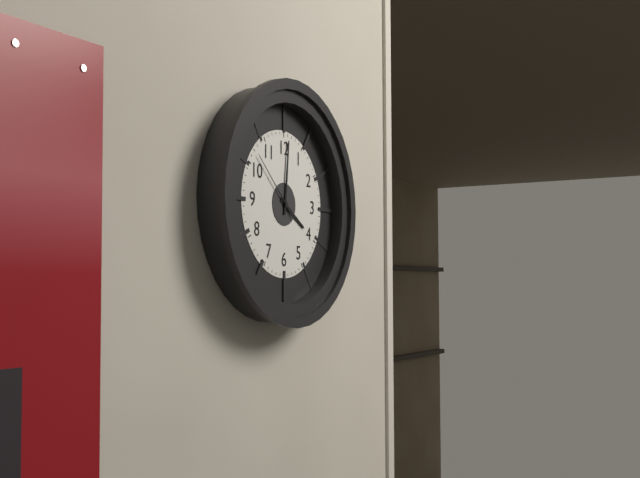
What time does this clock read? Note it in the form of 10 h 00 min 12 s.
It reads 4 h 01 min 52 s
